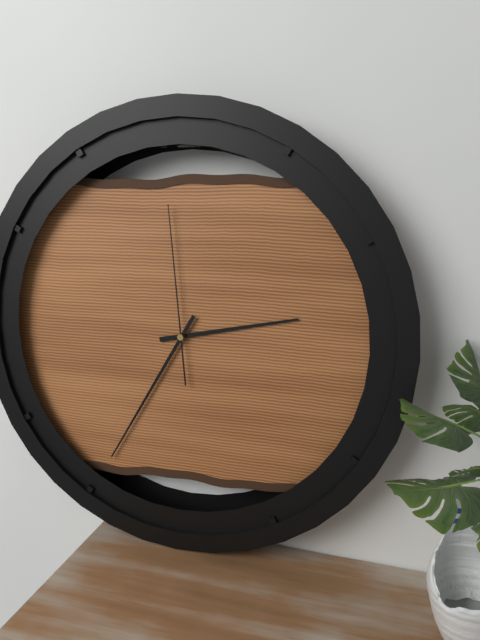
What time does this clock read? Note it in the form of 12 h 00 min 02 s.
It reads 2 h 35 min 59 s
